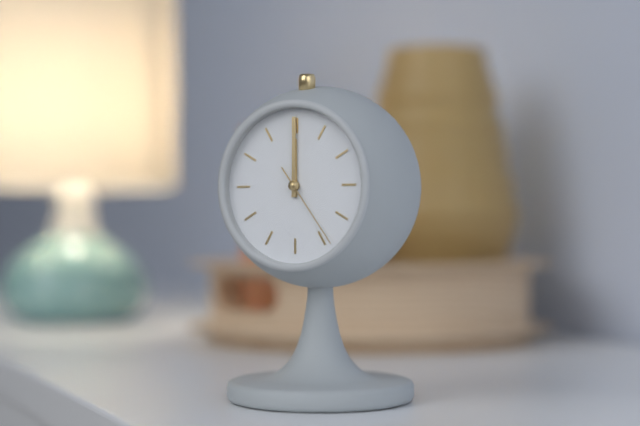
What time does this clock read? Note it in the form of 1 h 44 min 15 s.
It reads 12 h 00 min 24 s
